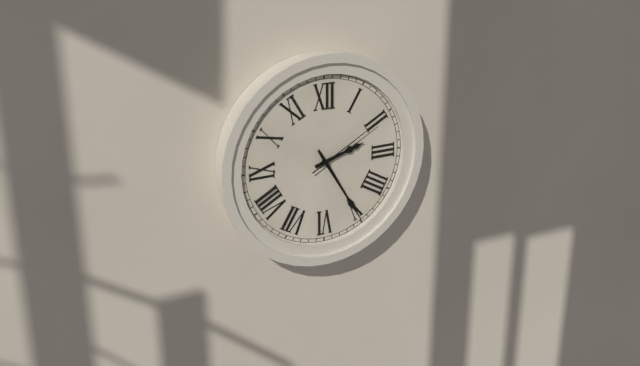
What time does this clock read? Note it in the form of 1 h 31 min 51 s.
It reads 2 h 25 min 10 s
